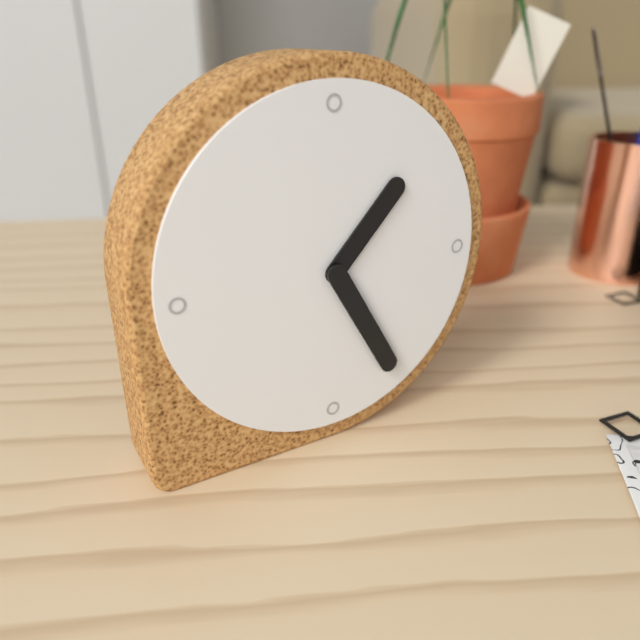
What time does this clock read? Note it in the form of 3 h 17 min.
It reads 1 h 25 min
